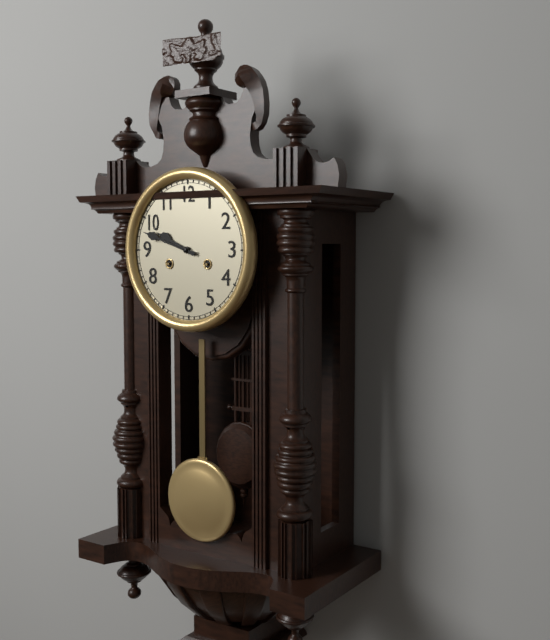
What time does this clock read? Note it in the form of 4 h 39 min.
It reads 9 h 48 min
